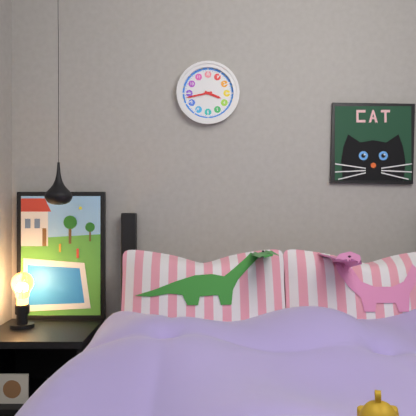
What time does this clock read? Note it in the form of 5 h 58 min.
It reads 3 h 43 min
